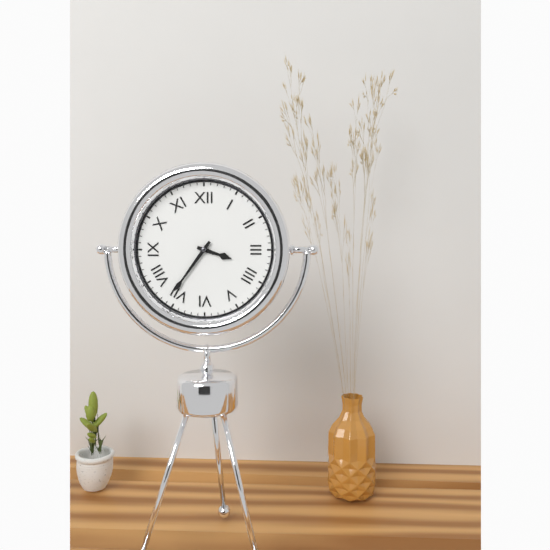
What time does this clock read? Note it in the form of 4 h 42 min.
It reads 3 h 36 min
